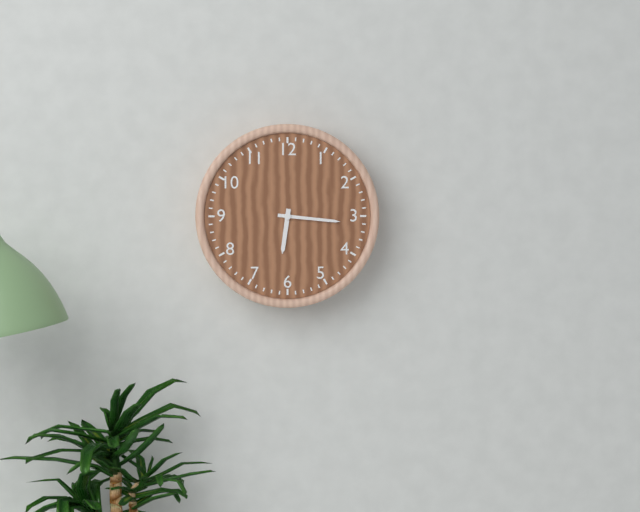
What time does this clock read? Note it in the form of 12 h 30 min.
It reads 6 h 16 min
